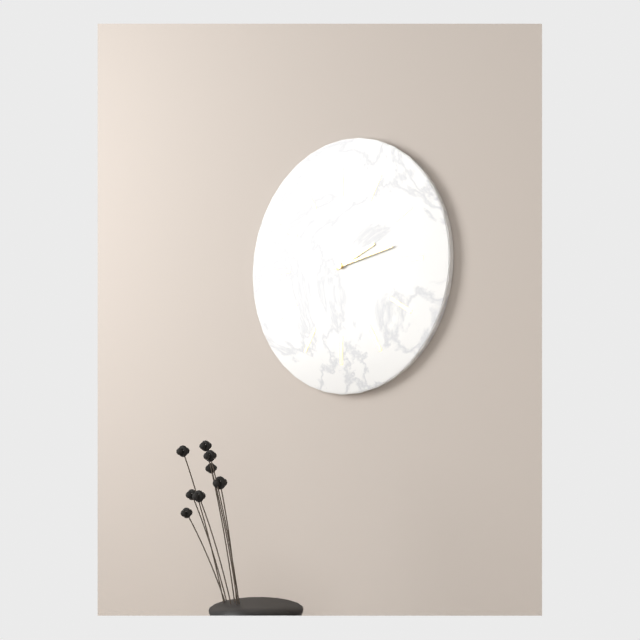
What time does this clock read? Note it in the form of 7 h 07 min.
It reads 2 h 13 min
